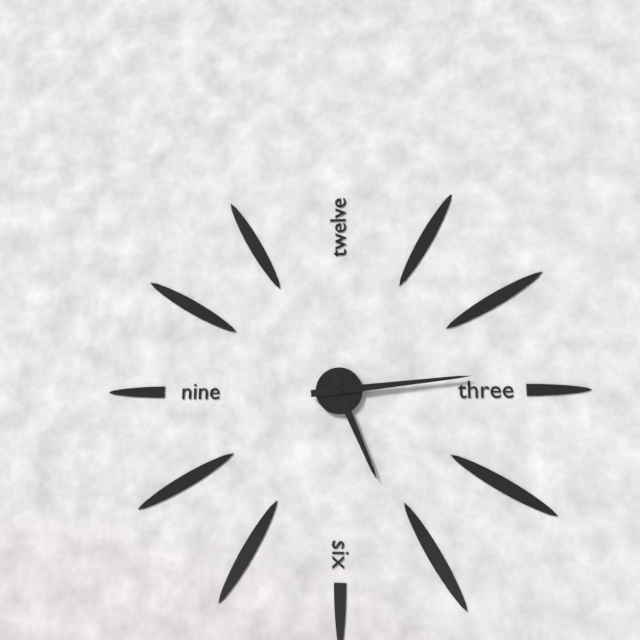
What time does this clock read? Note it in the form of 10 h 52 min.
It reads 5 h 14 min
